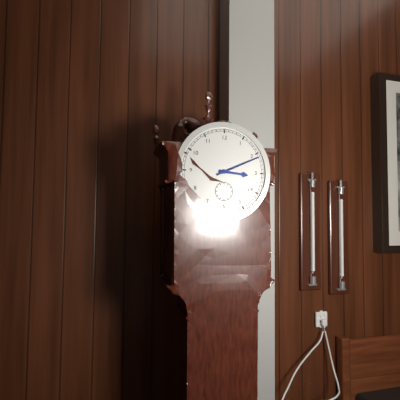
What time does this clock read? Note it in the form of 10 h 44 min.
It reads 3 h 11 min
